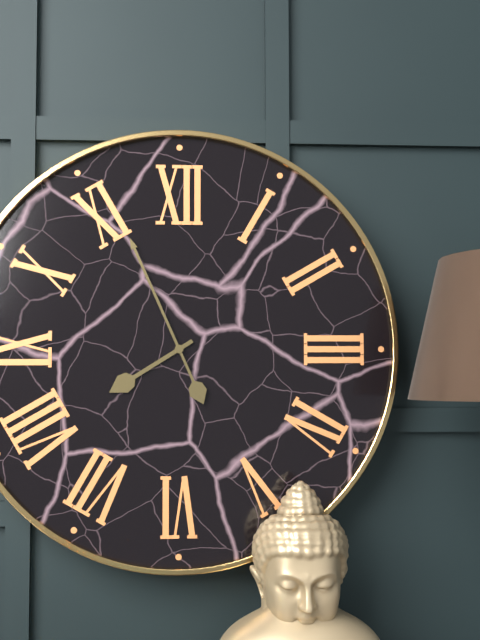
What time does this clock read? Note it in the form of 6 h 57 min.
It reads 7 h 56 min
